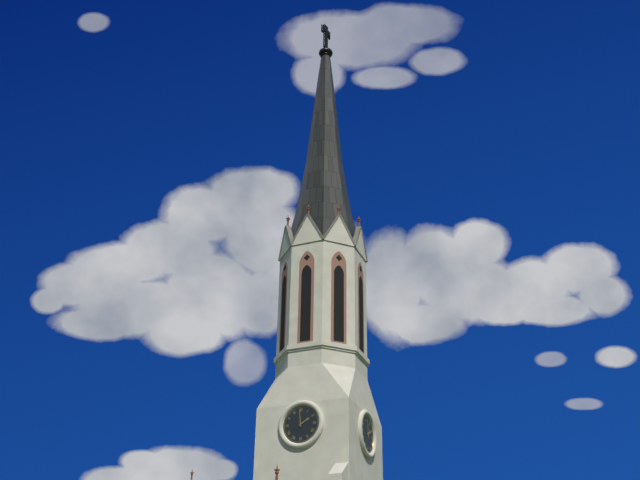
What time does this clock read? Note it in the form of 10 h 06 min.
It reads 1 h 59 min
